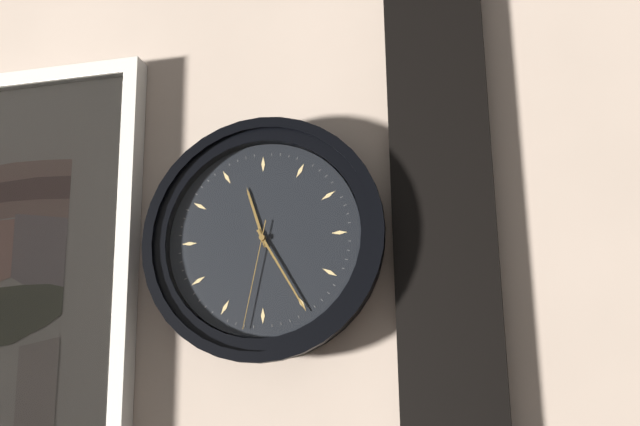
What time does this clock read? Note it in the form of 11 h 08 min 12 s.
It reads 11 h 25 min 32 s
